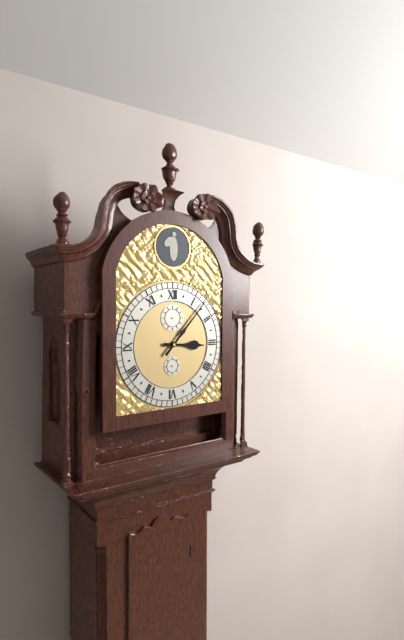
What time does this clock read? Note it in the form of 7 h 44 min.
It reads 3 h 07 min
